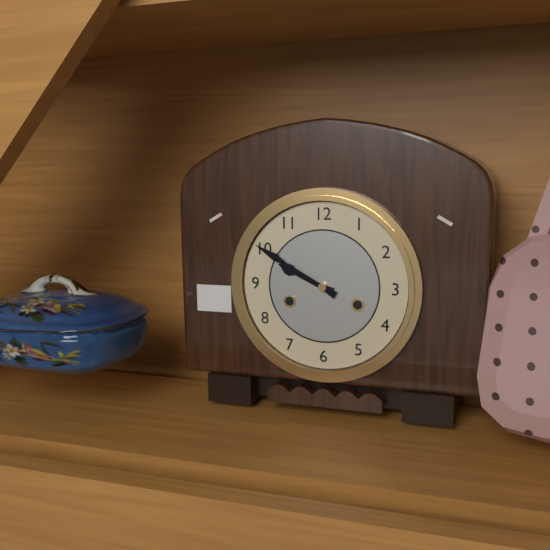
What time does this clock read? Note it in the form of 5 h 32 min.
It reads 9 h 50 min
